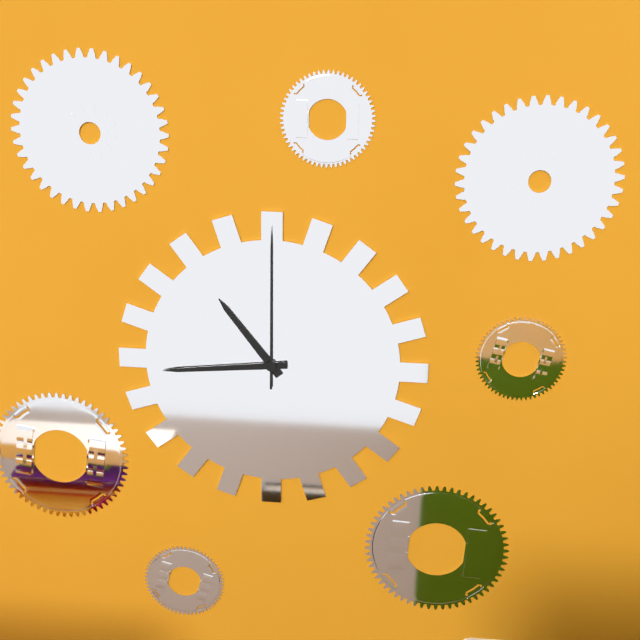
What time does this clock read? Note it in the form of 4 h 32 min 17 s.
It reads 10 h 44 min 00 s
